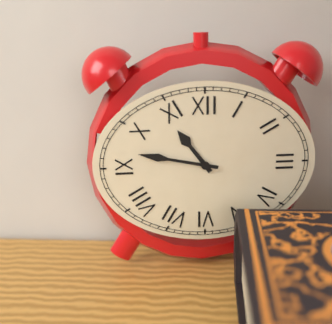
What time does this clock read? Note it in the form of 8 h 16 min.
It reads 10 h 47 min
